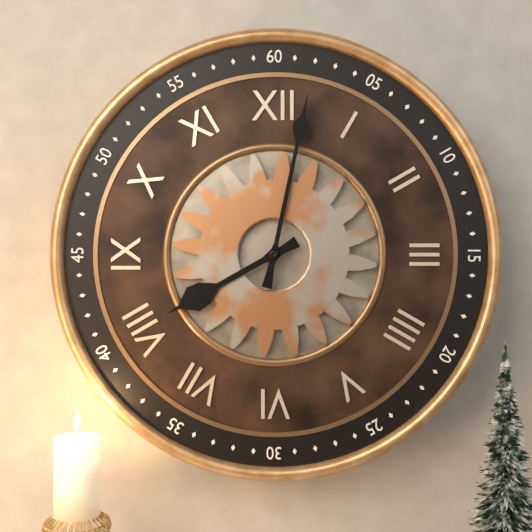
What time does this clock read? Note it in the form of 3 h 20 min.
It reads 8 h 02 min
